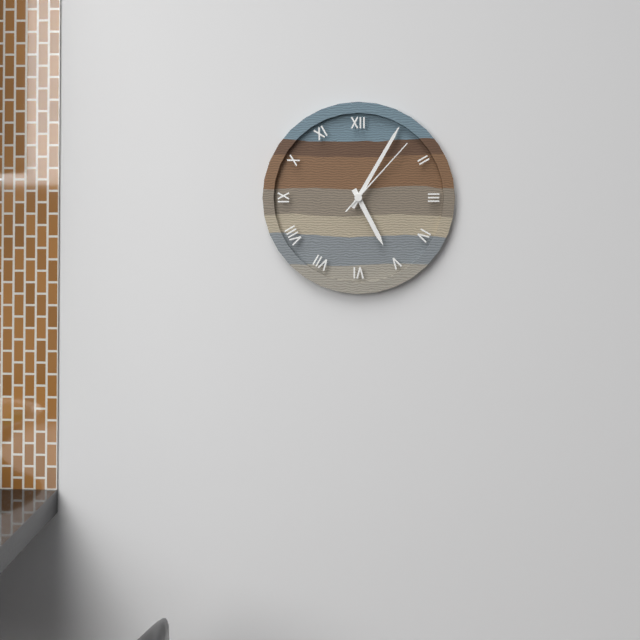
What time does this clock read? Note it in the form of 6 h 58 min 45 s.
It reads 5 h 05 min 07 s
